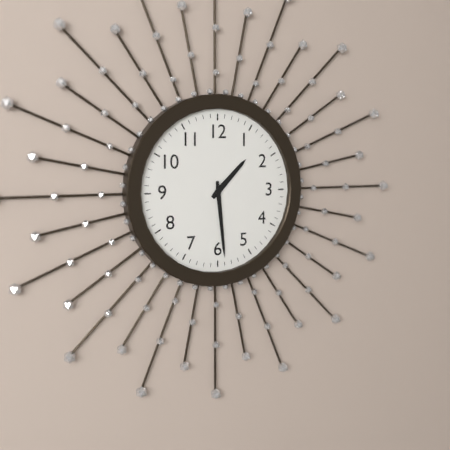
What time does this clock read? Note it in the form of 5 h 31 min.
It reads 1 h 29 min
